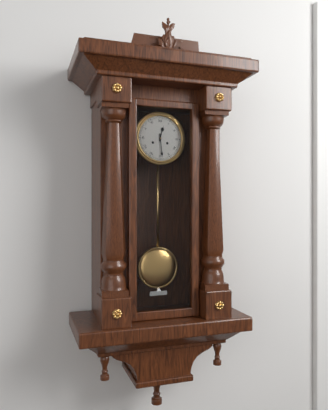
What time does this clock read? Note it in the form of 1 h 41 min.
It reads 12 h 29 min
